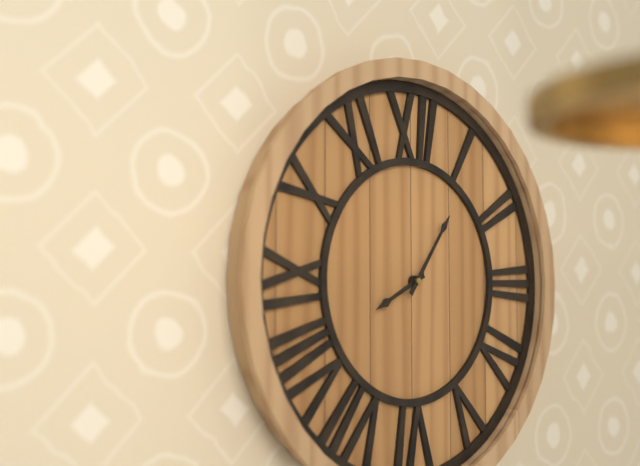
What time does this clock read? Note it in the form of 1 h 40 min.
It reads 8 h 06 min
